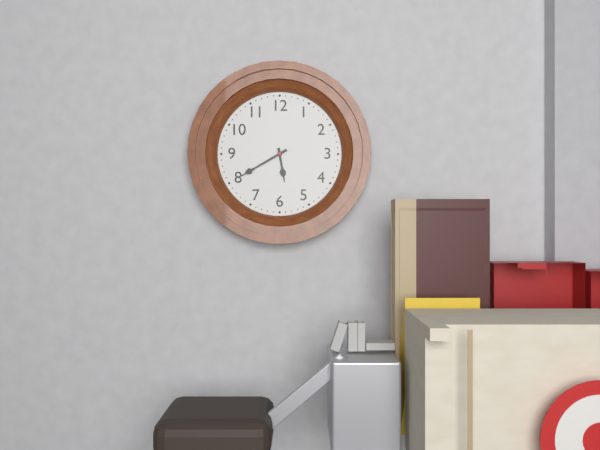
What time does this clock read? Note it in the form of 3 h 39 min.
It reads 5 h 40 min
